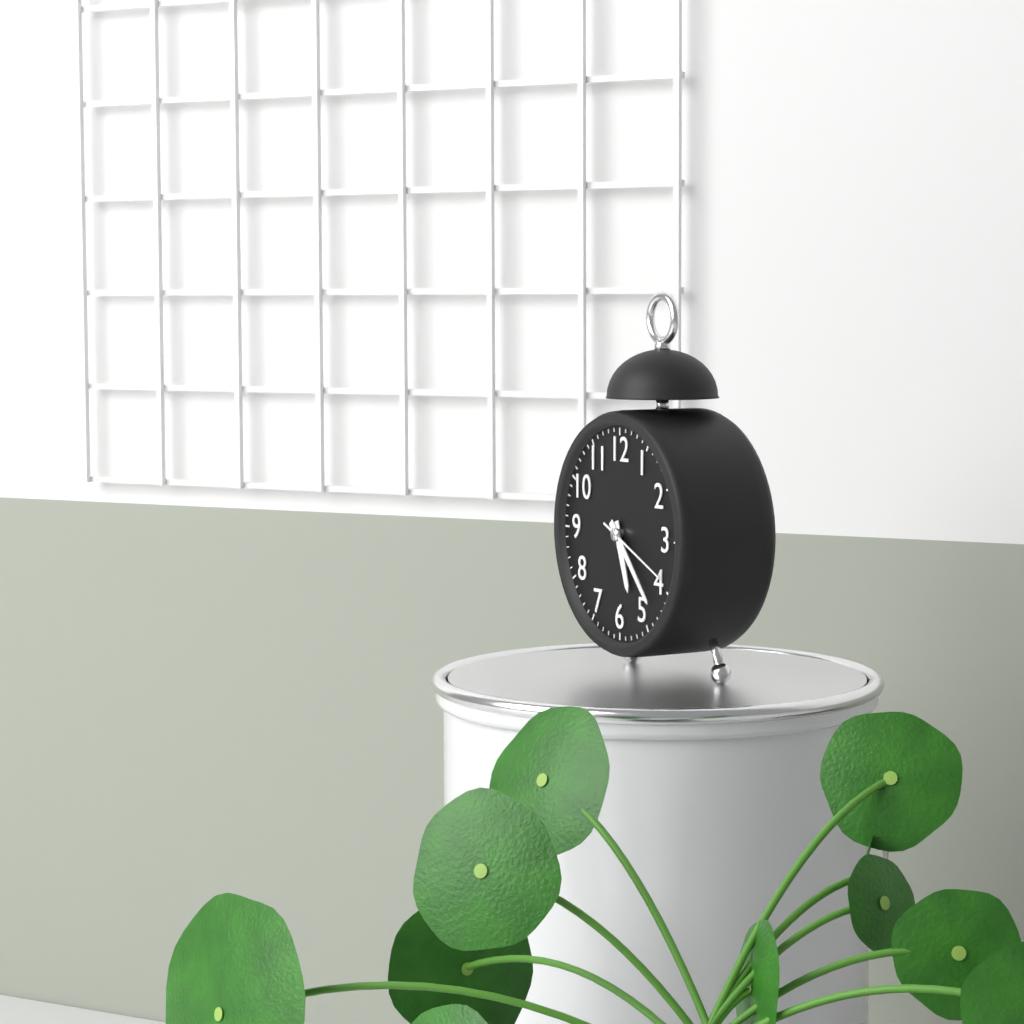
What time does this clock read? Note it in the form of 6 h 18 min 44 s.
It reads 5 h 23 min 19 s
